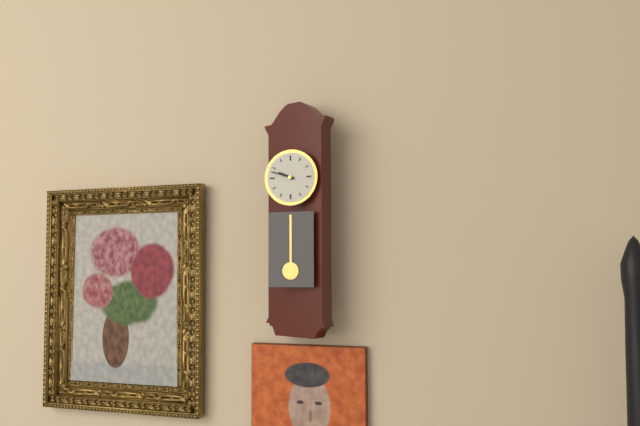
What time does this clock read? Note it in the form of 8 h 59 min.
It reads 9 h 48 min
